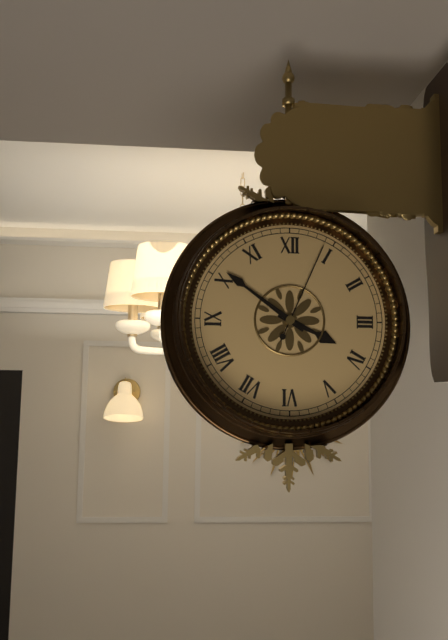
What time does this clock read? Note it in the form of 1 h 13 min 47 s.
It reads 3 h 51 min 04 s
